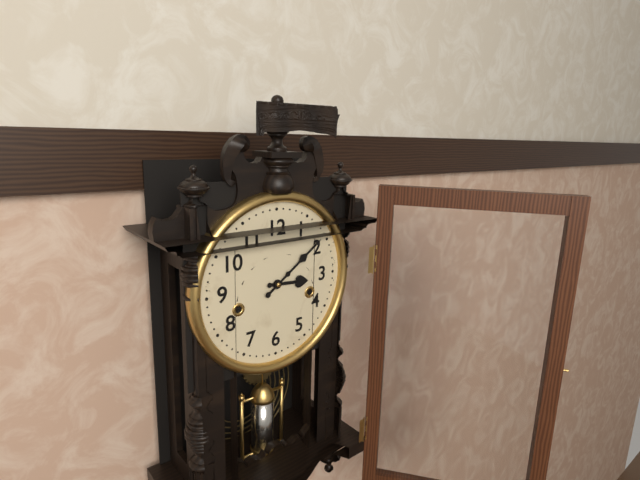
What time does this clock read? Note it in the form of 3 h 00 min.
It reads 3 h 09 min
